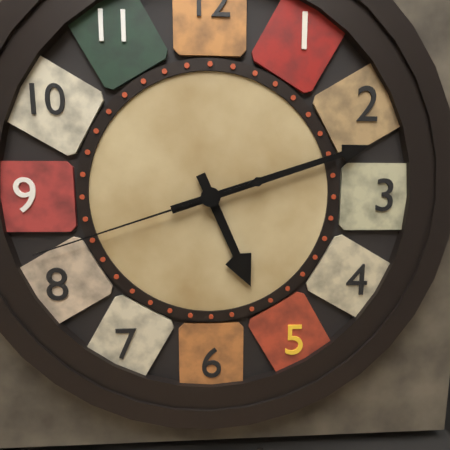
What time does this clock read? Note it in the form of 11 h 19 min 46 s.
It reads 5 h 12 min 42 s
